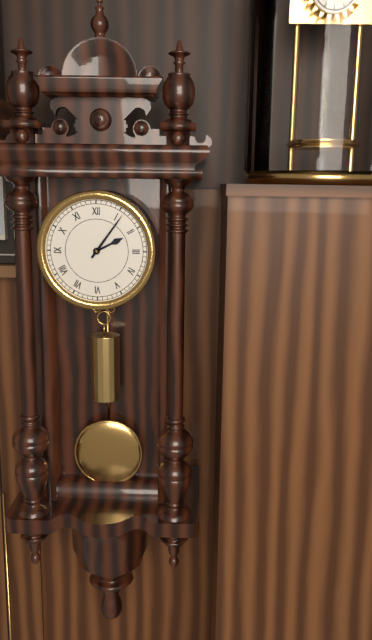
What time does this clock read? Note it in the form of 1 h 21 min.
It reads 2 h 06 min
